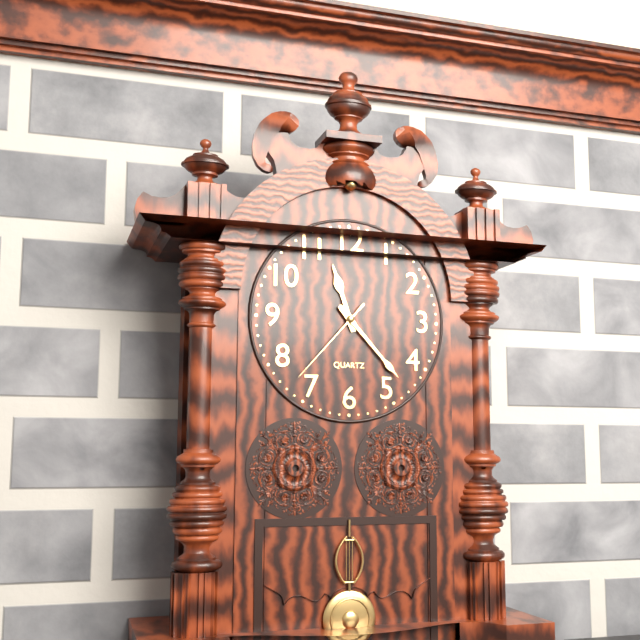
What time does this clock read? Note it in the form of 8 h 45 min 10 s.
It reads 11 h 23 min 37 s
